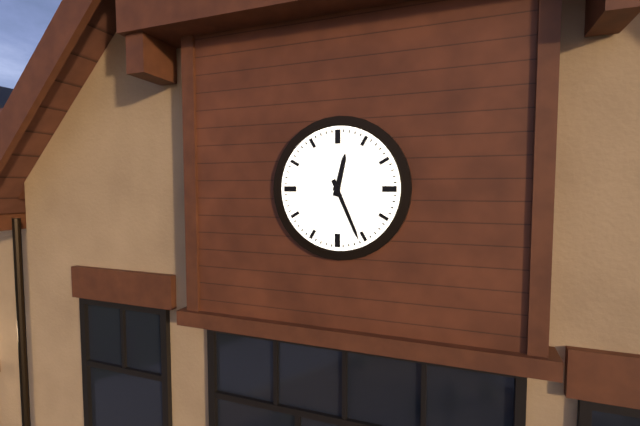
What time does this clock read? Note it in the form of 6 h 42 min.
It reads 12 h 26 min
